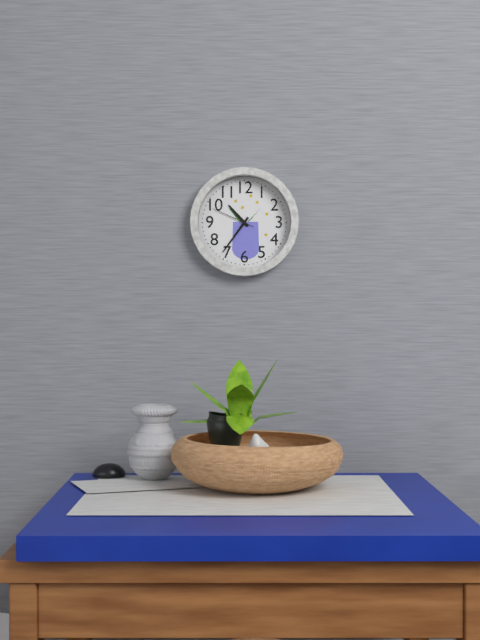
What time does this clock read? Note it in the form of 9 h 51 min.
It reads 10 h 36 min
